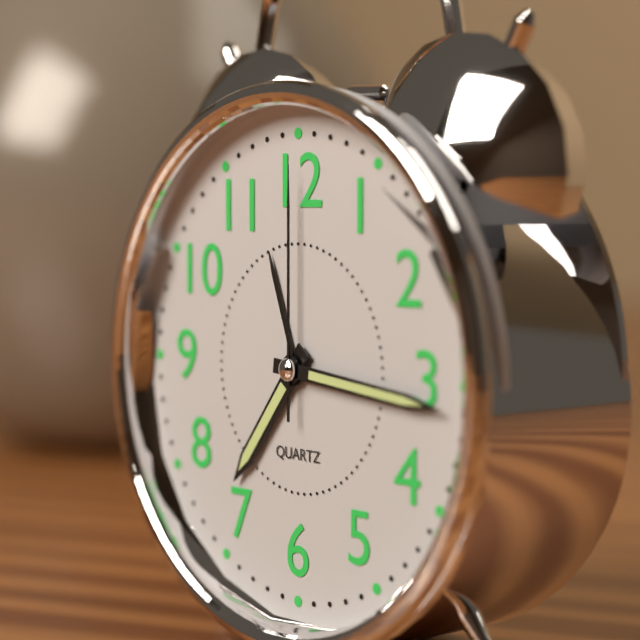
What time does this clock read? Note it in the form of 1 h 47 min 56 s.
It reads 7 h 16 min 00 s
